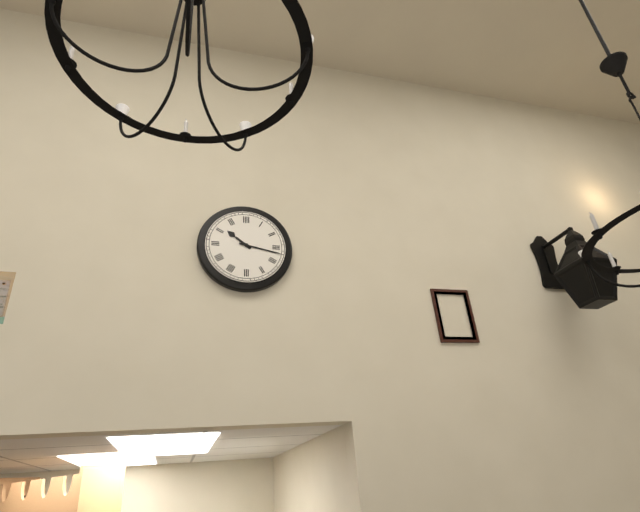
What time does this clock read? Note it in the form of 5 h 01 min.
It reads 10 h 17 min
